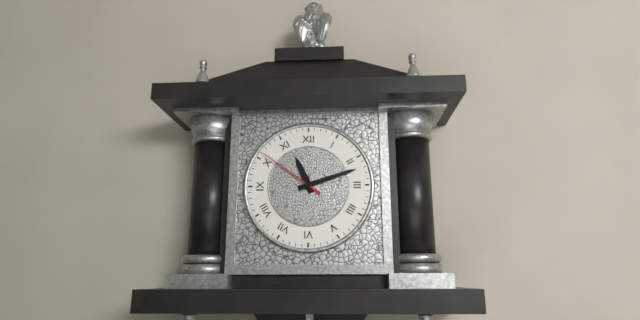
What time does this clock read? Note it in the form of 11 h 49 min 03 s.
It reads 11 h 12 min 51 s
